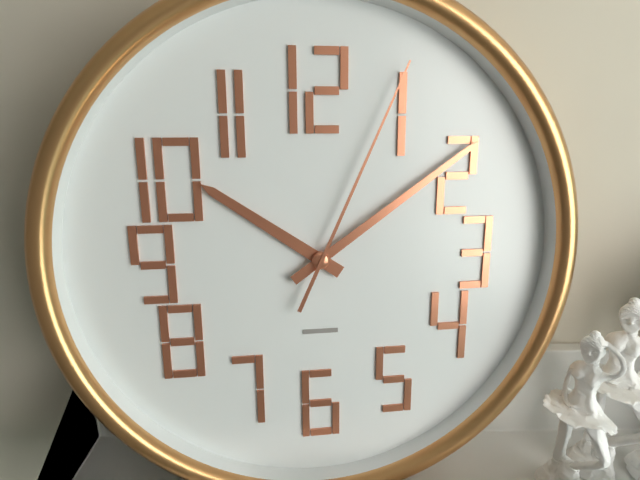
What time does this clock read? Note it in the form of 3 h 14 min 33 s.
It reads 10 h 09 min 04 s
